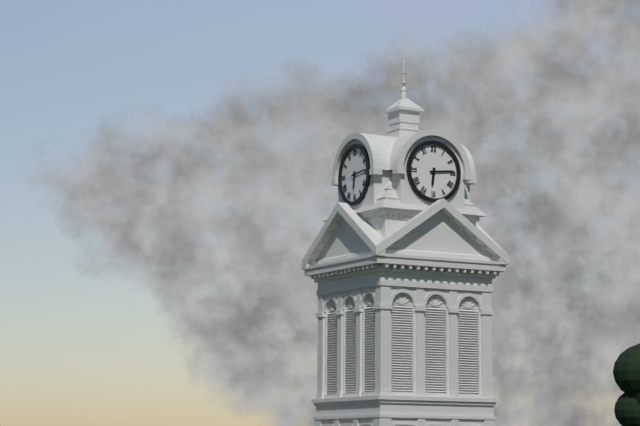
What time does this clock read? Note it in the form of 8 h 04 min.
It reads 6 h 14 min
